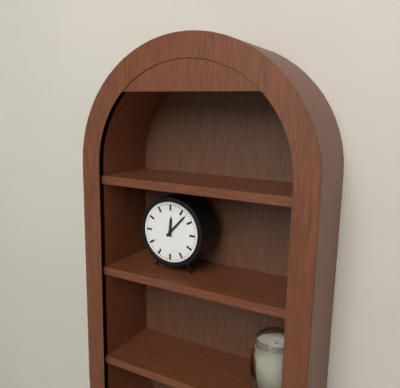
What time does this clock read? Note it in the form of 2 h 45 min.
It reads 12 h 07 min
